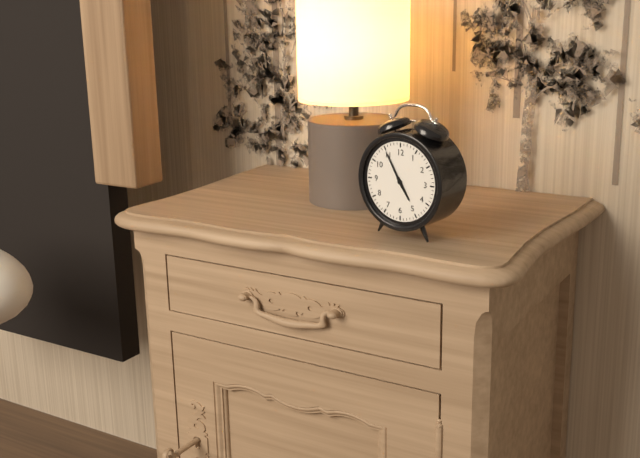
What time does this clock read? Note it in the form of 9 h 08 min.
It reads 4 h 55 min
